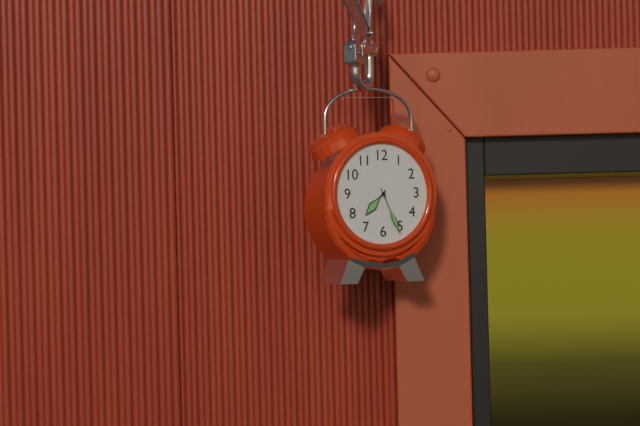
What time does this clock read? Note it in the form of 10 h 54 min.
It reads 7 h 26 min
